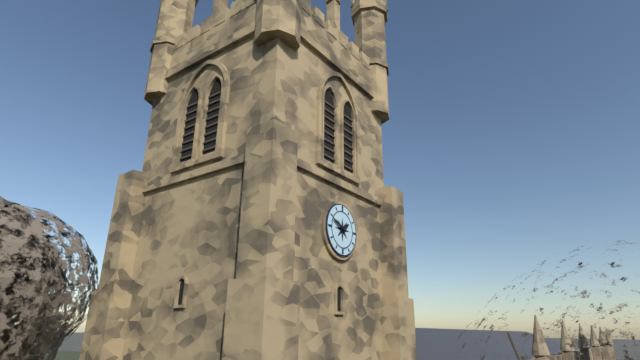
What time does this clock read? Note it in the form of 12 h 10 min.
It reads 1 h 49 min
